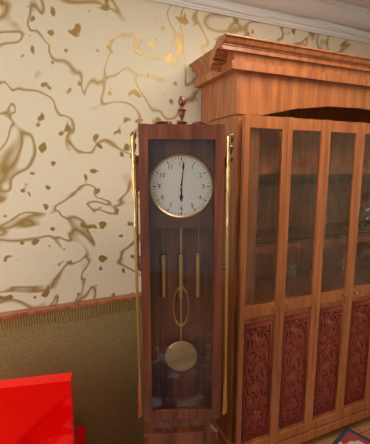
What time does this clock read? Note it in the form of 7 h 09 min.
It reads 6 h 01 min
